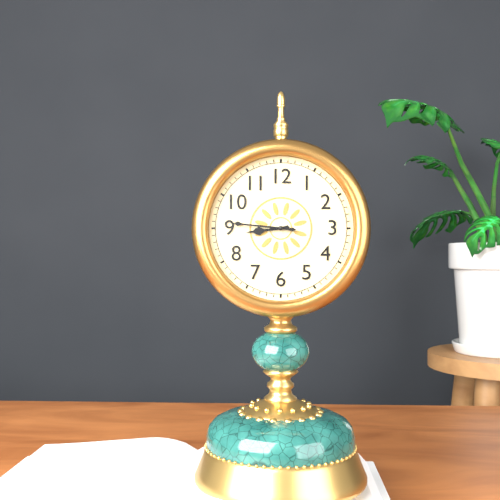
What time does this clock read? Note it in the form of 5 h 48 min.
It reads 8 h 46 min
